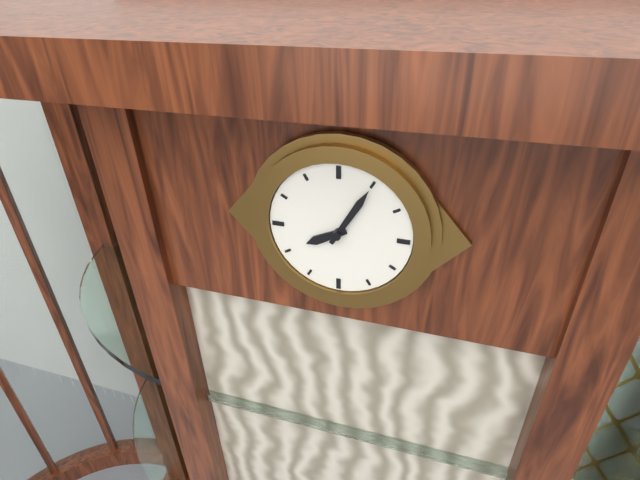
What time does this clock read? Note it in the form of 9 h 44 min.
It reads 8 h 05 min
